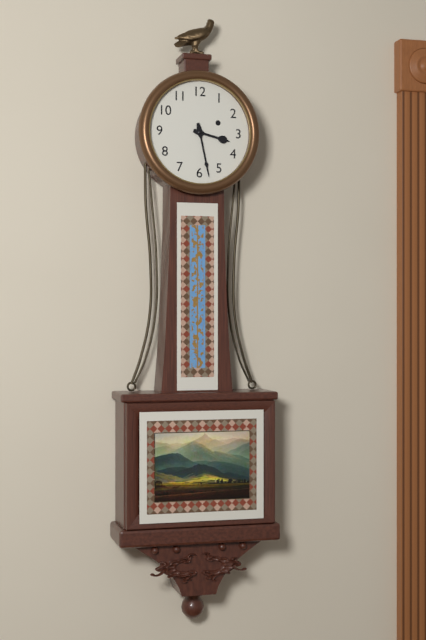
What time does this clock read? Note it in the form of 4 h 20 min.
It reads 3 h 28 min
